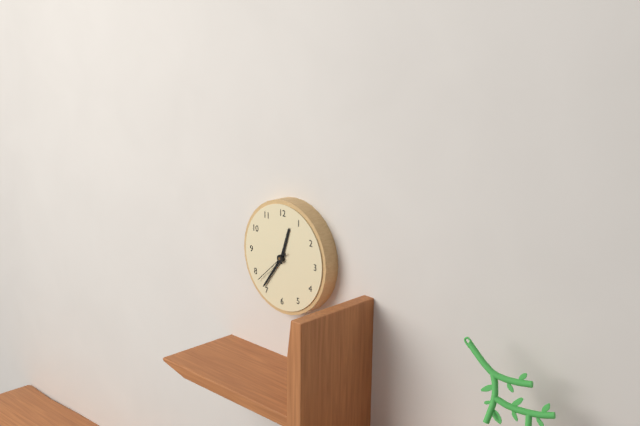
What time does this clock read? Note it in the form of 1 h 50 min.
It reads 12 h 36 min
